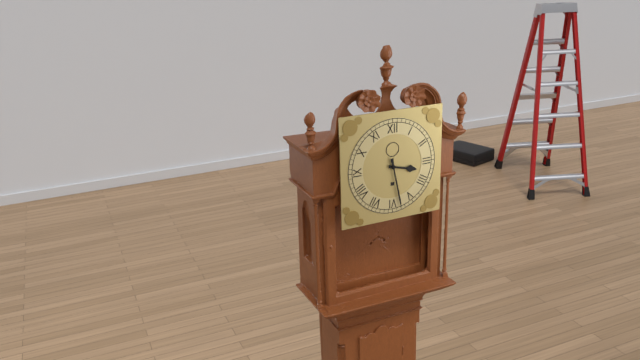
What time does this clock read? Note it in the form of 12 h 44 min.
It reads 3 h 28 min
